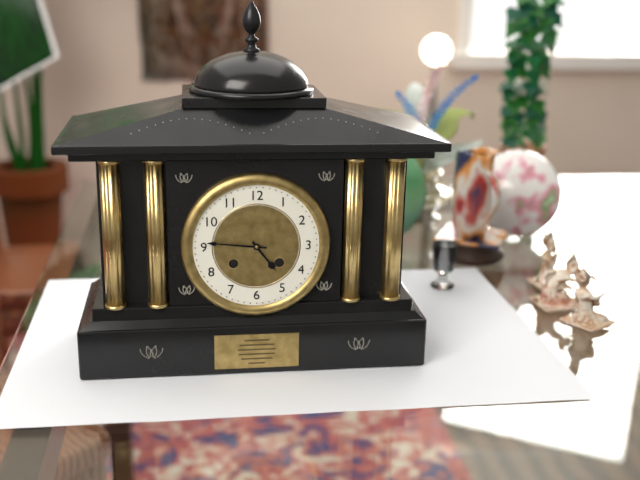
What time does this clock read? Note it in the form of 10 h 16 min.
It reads 4 h 46 min
